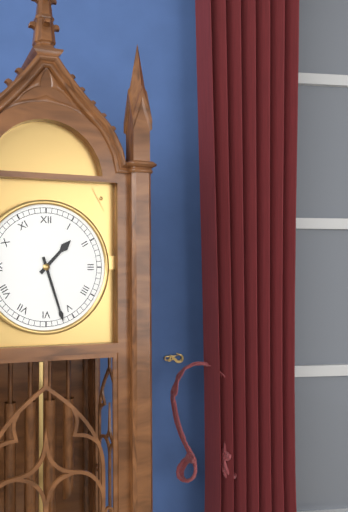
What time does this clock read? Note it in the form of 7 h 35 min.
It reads 1 h 27 min
